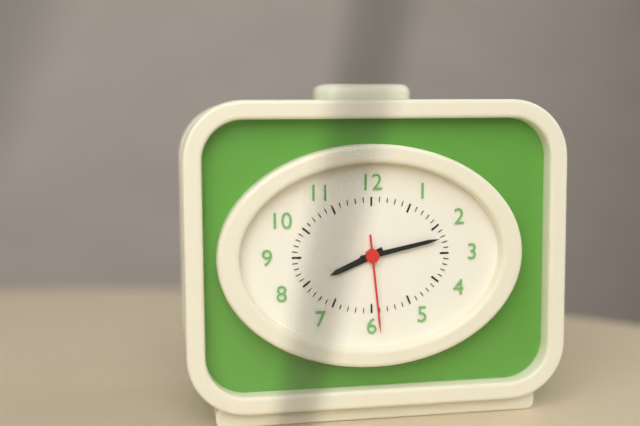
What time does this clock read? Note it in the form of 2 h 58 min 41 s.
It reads 8 h 13 min 29 s
